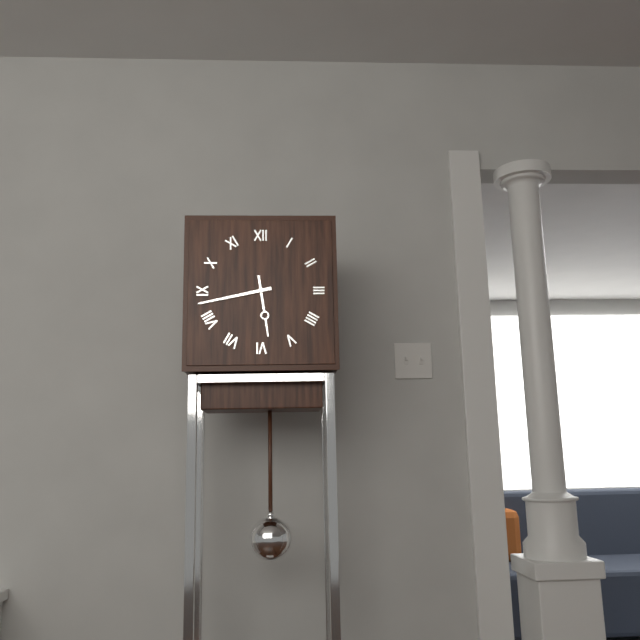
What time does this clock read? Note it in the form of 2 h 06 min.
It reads 5 h 43 min
